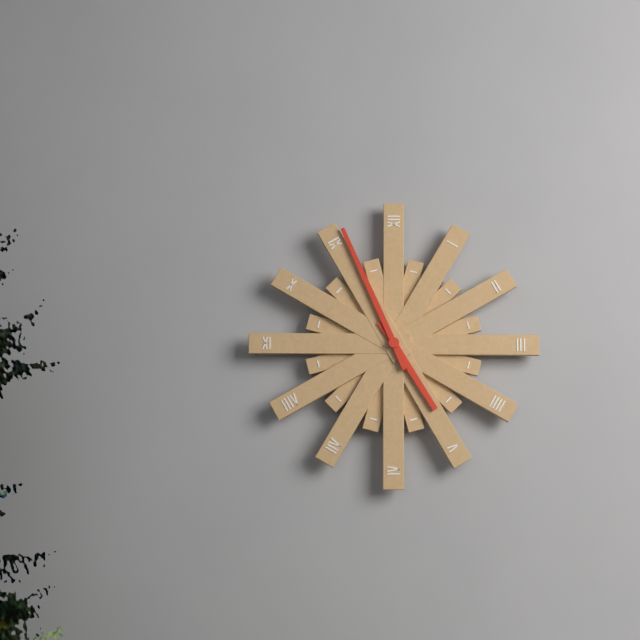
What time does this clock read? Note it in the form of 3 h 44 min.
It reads 4 h 56 min
